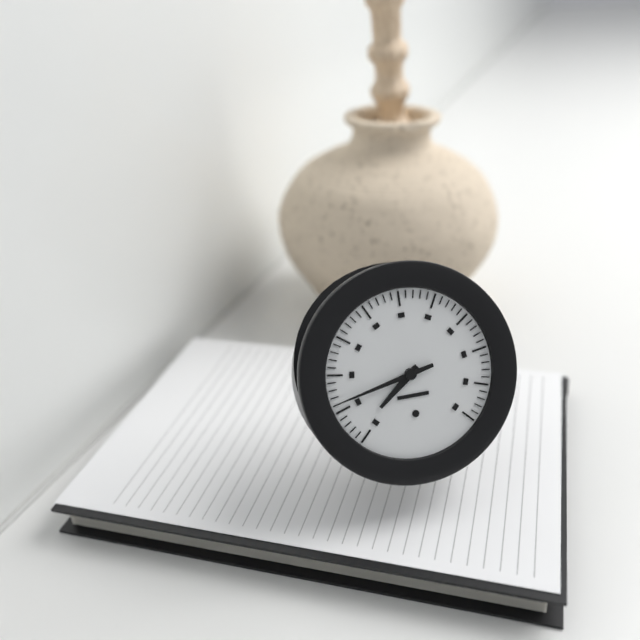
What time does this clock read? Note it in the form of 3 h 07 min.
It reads 7 h 43 min
